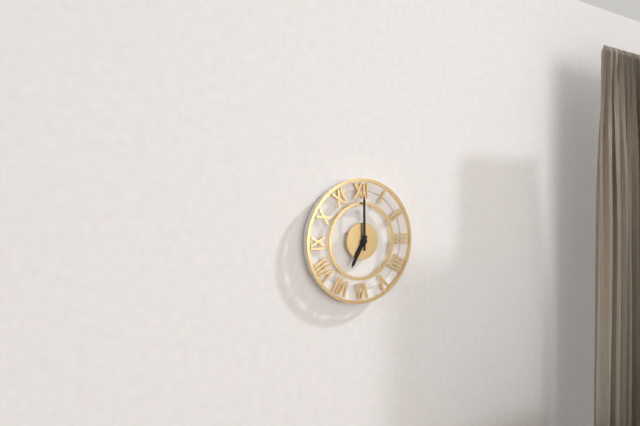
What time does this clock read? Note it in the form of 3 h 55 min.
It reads 7 h 00 min
